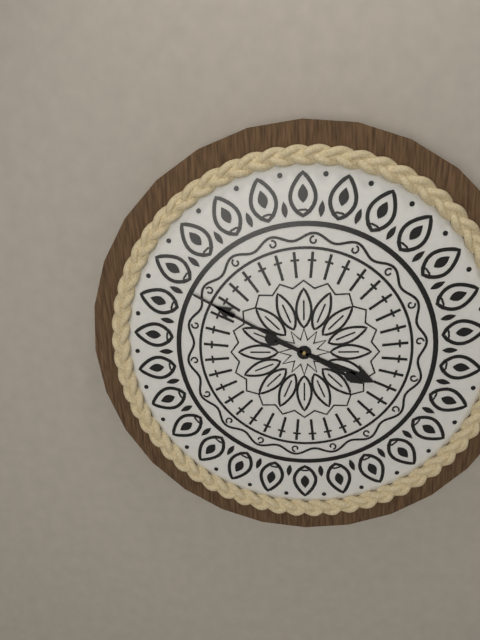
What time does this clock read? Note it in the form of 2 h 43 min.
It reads 3 h 50 min
